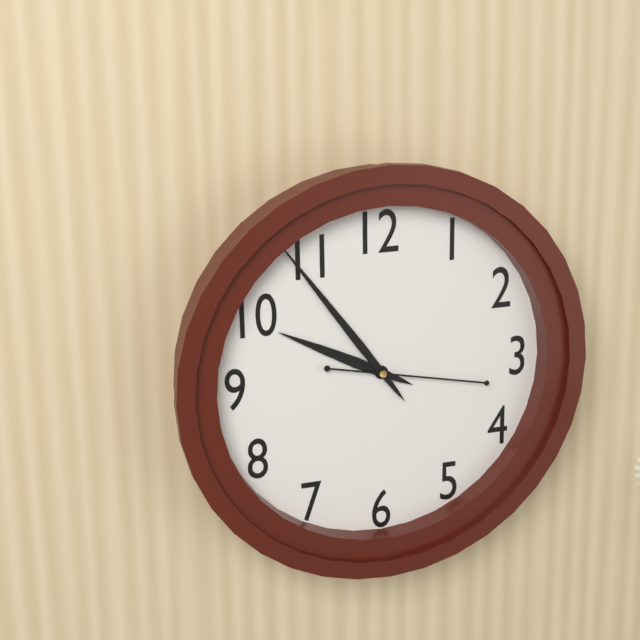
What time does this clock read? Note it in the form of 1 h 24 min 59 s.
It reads 9 h 54 min 17 s
